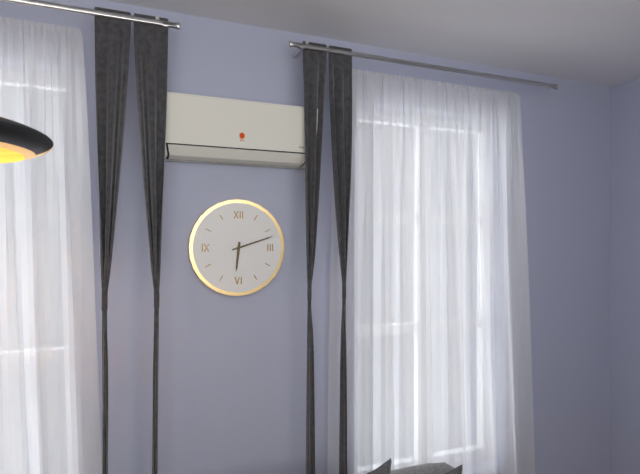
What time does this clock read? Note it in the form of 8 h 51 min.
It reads 6 h 12 min
